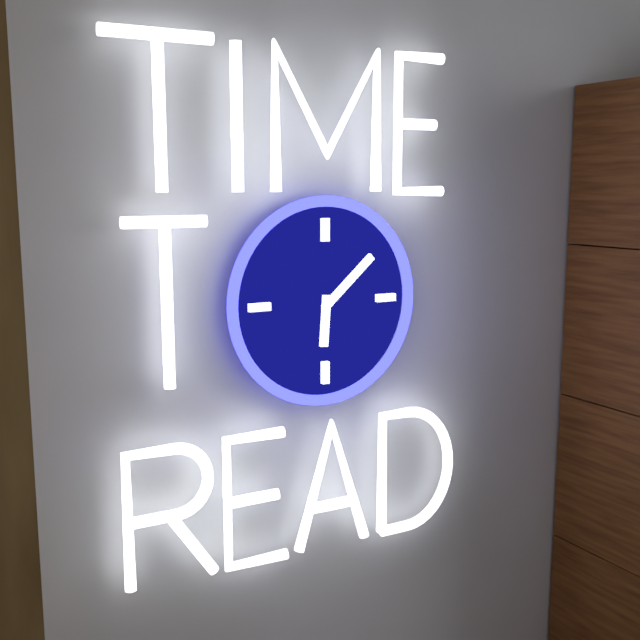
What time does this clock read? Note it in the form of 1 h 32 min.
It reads 6 h 08 min
